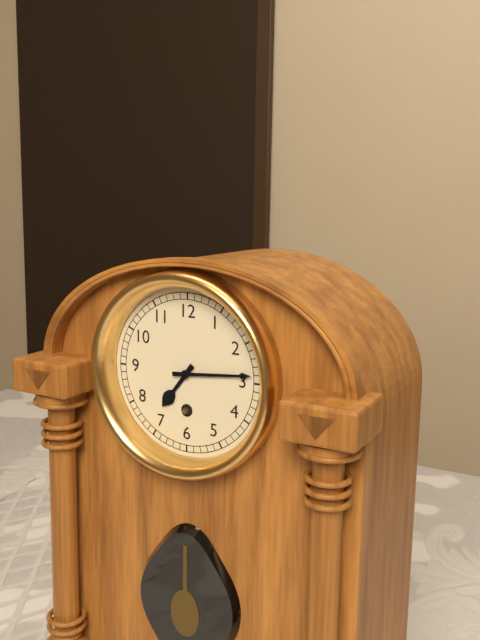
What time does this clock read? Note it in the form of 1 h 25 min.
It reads 7 h 14 min
